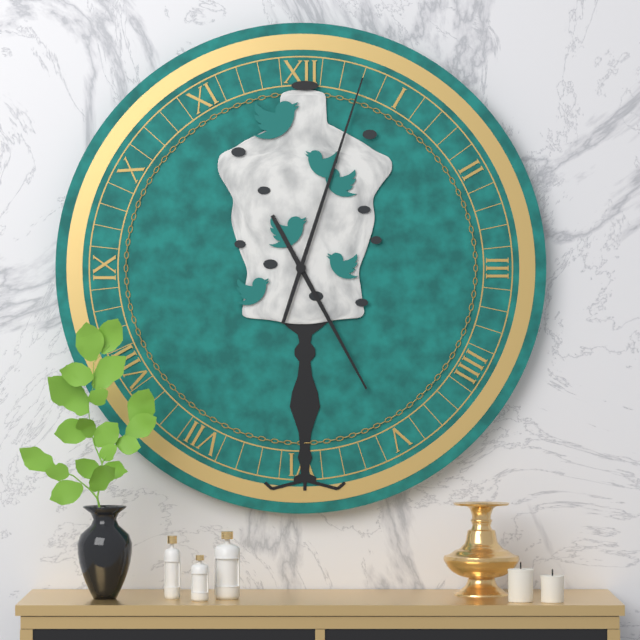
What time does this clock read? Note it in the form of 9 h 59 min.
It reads 5 h 03 min
